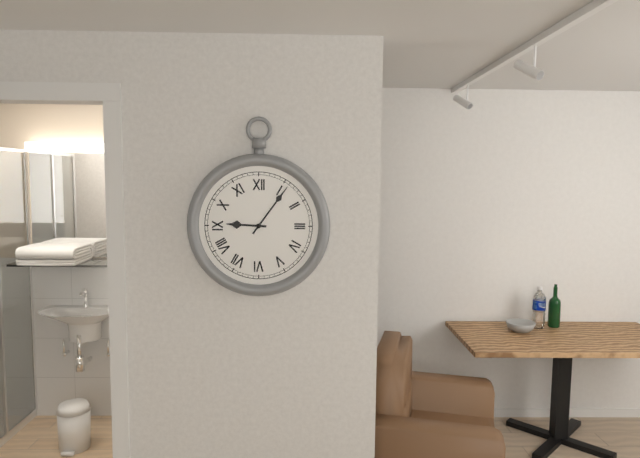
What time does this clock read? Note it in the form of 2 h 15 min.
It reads 9 h 06 min
